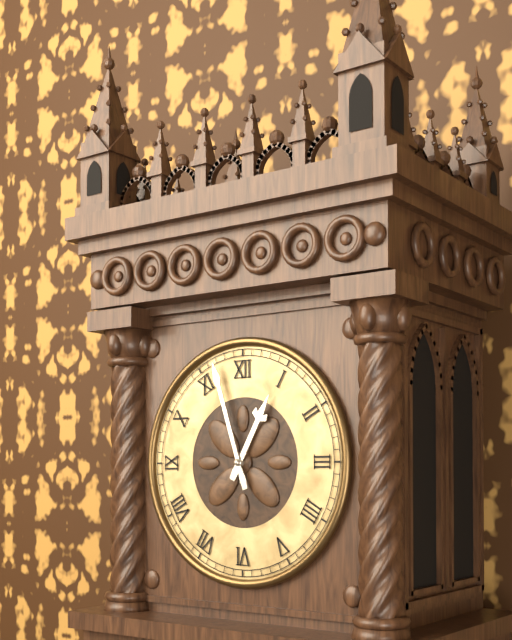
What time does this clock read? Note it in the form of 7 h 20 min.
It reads 12 h 57 min
